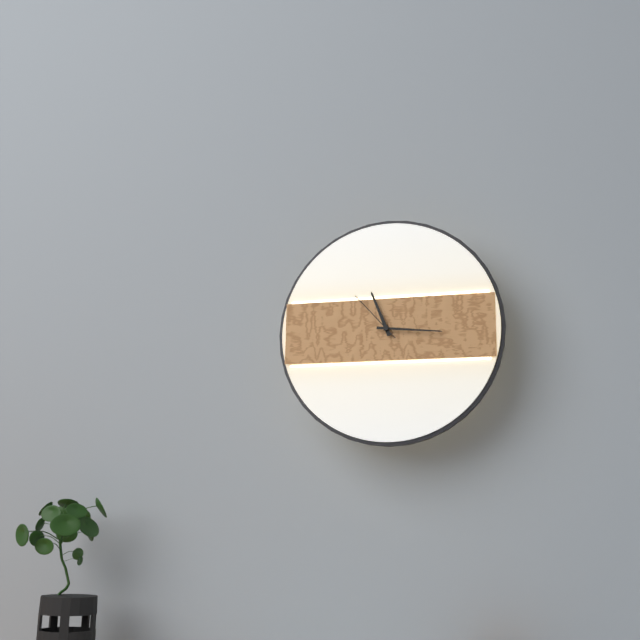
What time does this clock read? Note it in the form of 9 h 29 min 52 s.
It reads 11 h 16 min 53 s
